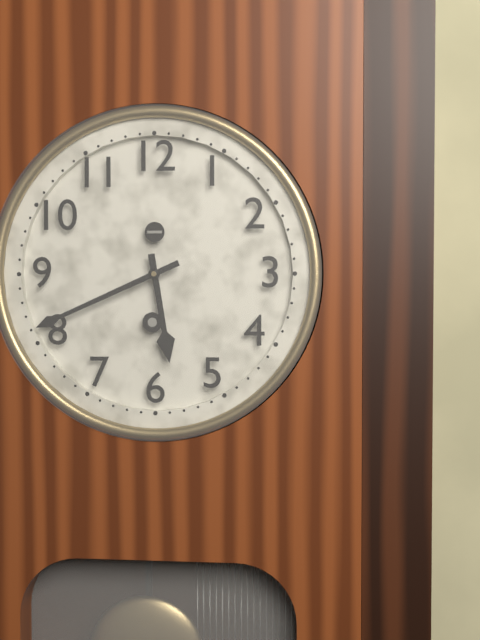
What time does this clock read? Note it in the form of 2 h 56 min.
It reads 5 h 41 min
